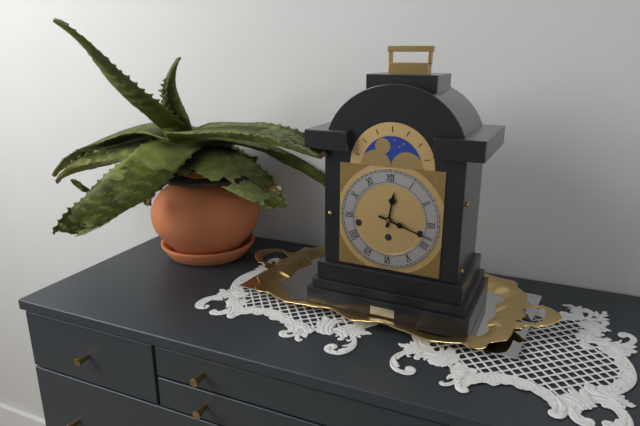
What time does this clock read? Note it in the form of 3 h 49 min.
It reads 12 h 18 min
